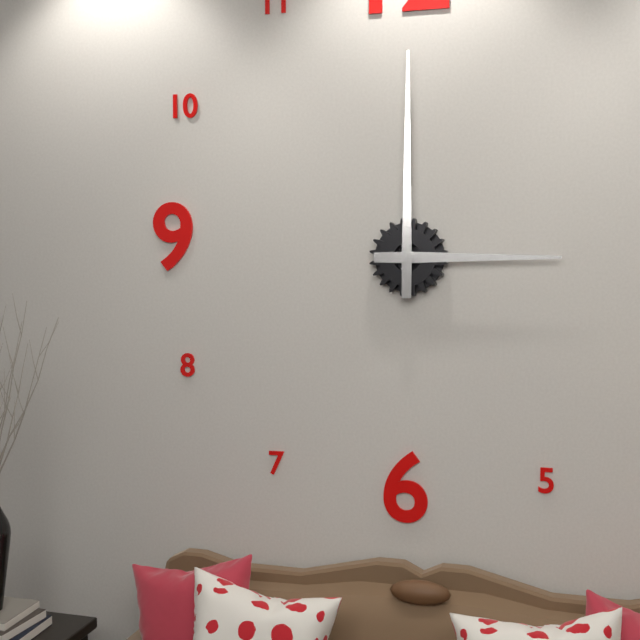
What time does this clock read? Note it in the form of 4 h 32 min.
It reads 3 h 00 min
